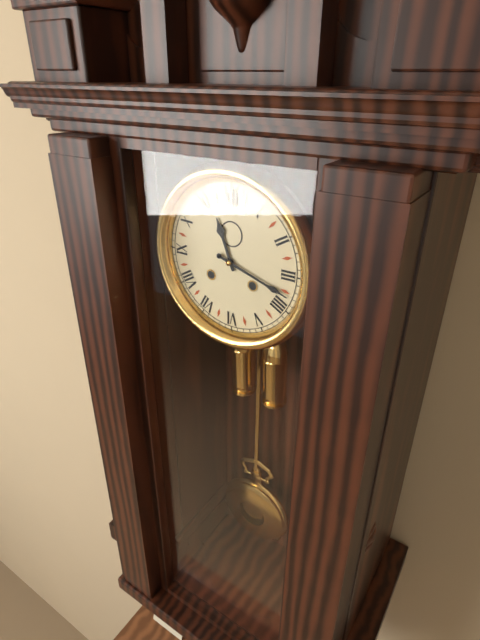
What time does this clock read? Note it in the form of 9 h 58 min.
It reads 11 h 18 min
